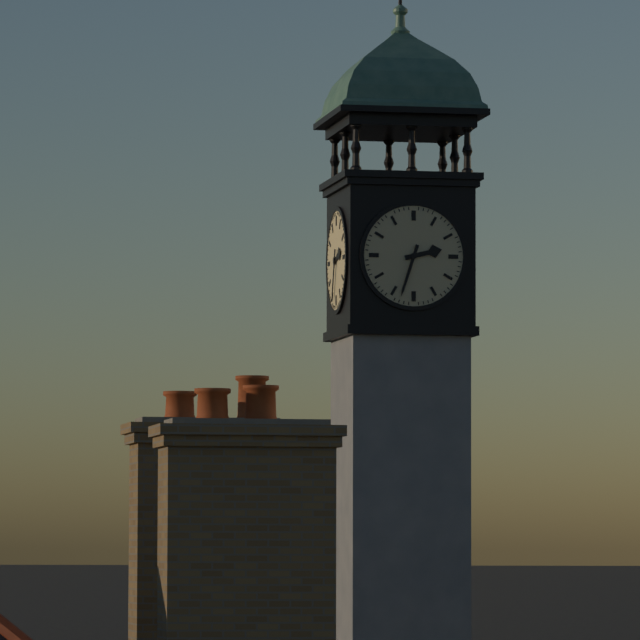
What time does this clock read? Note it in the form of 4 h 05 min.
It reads 2 h 33 min
